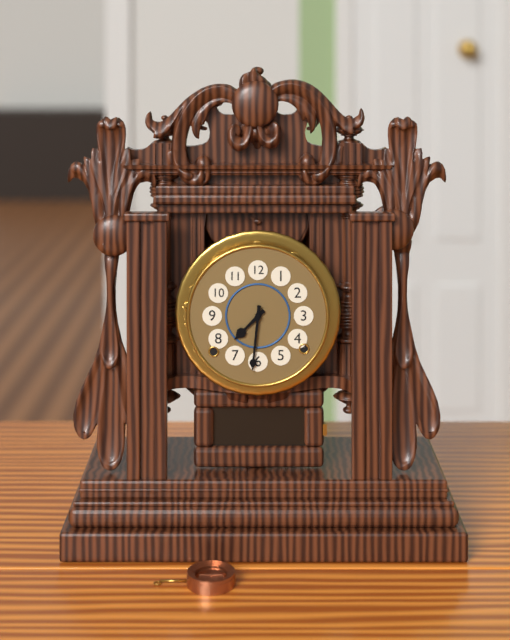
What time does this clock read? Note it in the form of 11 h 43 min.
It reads 7 h 31 min
